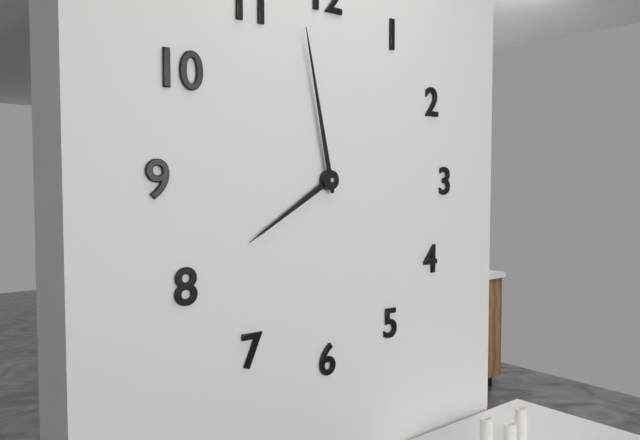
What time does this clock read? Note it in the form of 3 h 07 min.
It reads 7 h 58 min
